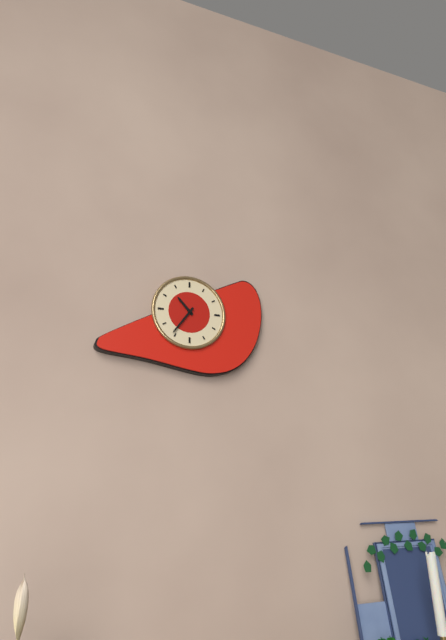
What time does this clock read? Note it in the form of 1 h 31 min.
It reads 10 h 36 min
